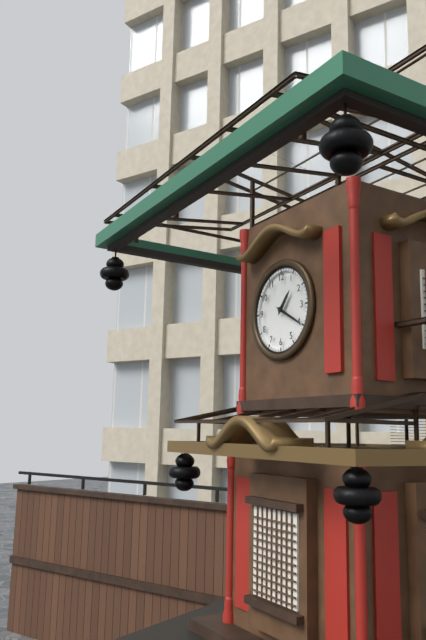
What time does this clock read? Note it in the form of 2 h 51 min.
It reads 1 h 20 min
